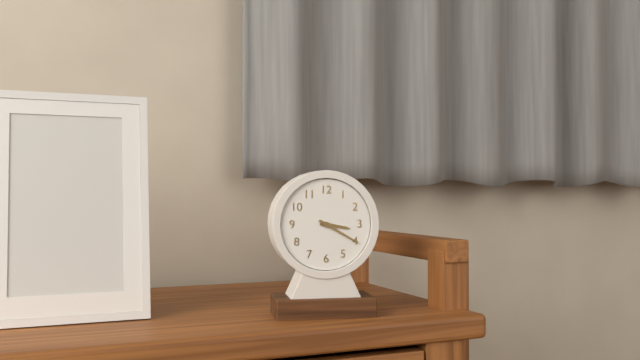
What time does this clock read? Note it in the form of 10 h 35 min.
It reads 3 h 20 min
